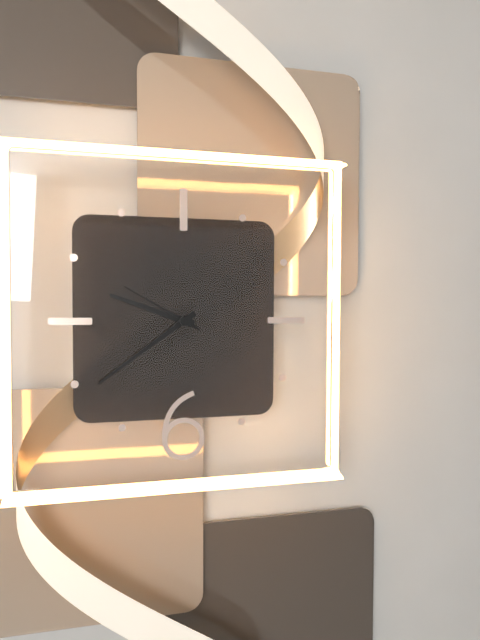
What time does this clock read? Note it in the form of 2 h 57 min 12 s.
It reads 9 h 39 min 50 s
